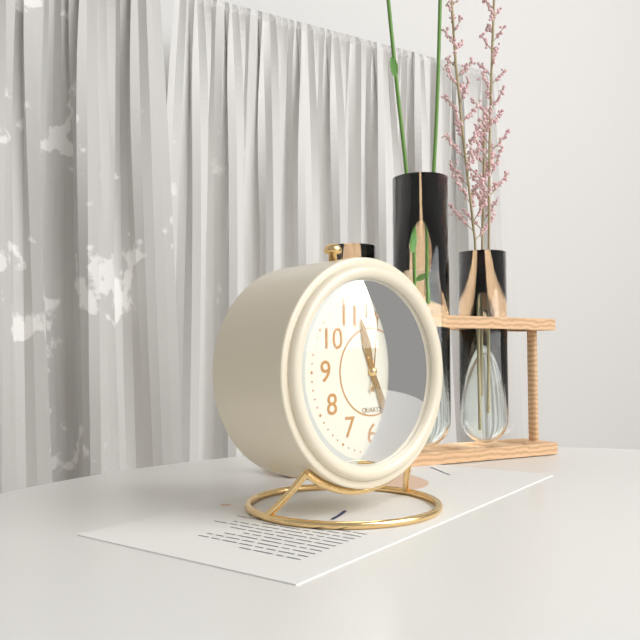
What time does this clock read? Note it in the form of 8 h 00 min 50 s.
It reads 11 h 26 min 01 s
